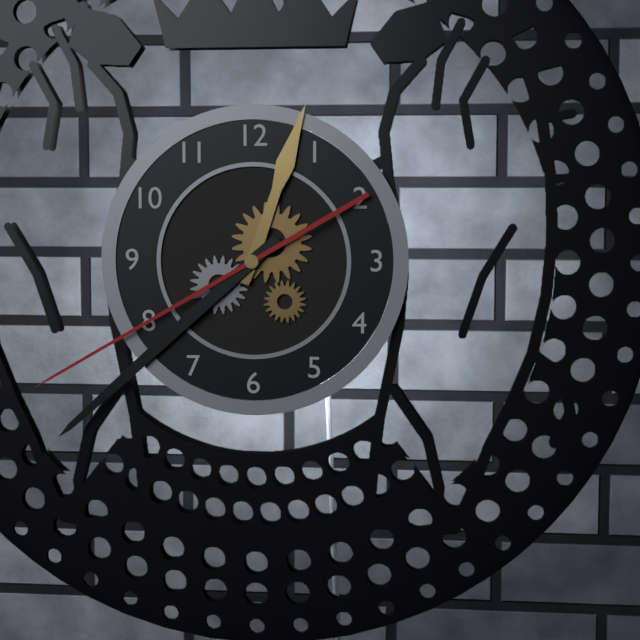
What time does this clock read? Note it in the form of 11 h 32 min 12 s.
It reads 12 h 38 min 40 s
